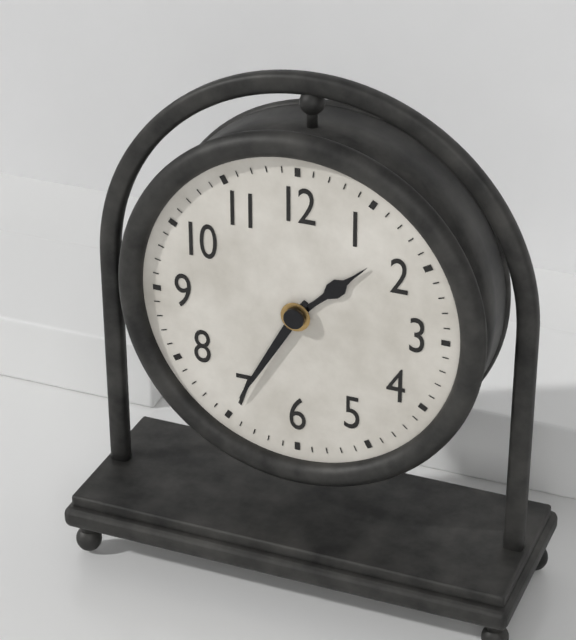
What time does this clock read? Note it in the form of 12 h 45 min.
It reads 1 h 35 min
